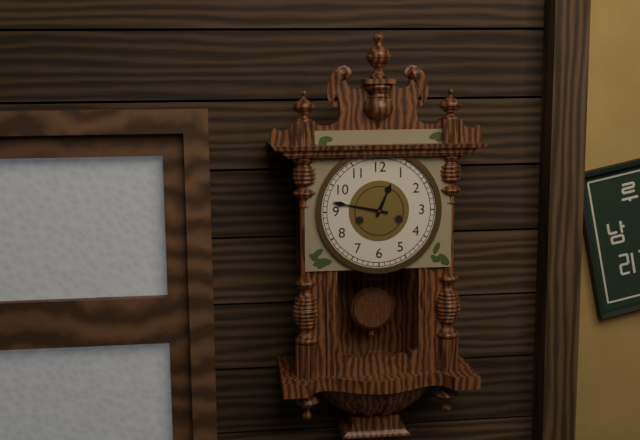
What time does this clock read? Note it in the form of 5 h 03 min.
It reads 12 h 47 min
